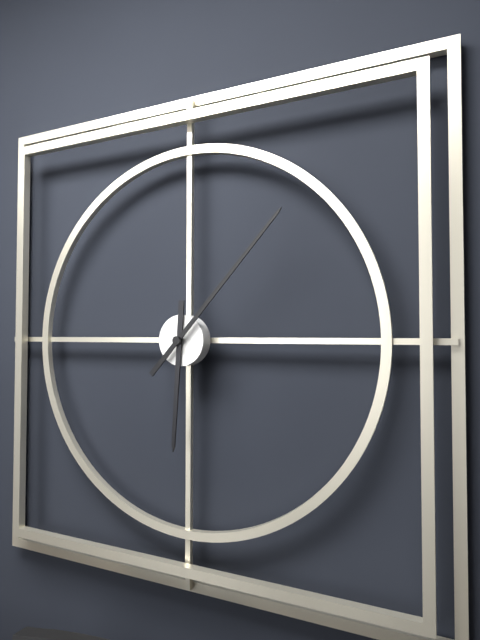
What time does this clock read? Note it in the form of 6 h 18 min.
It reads 6 h 07 min
